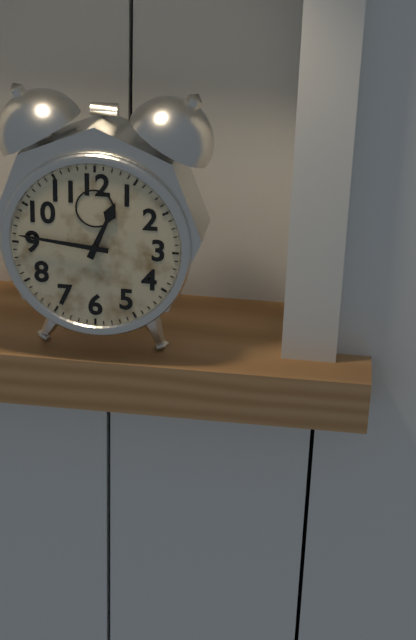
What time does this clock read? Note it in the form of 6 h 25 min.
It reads 12 h 46 min
